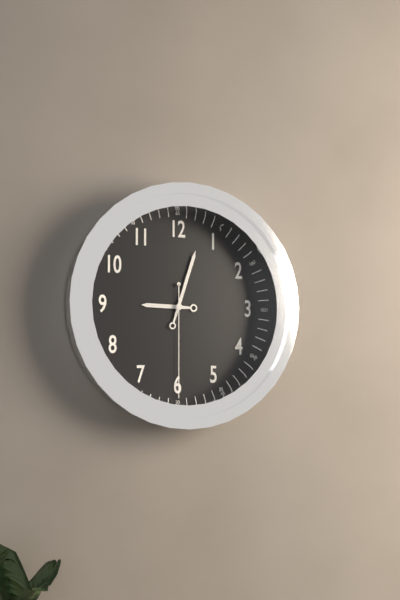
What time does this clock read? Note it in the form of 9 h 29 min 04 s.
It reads 9 h 03 min 30 s
